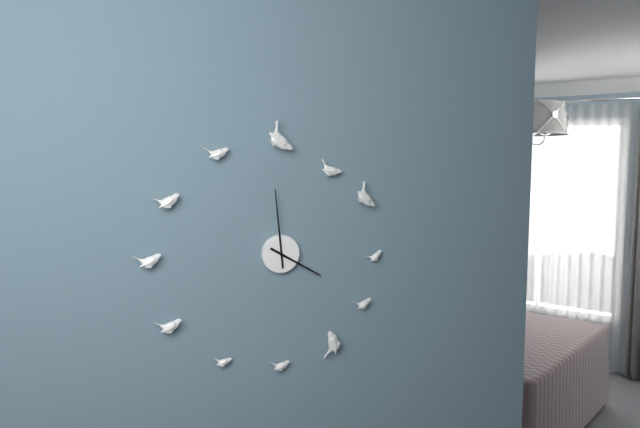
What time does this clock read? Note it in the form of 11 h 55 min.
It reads 3 h 59 min
